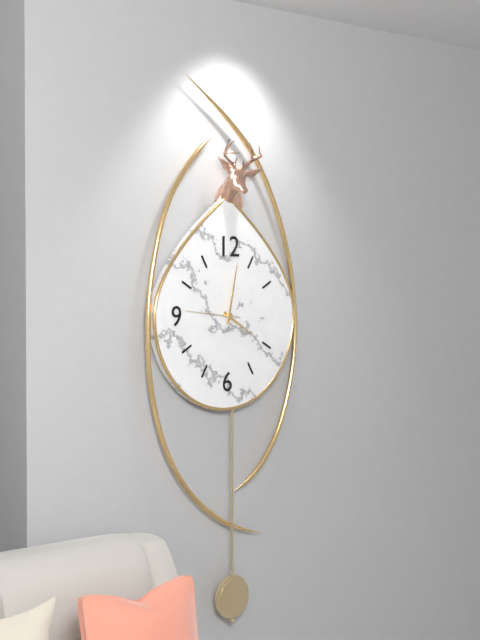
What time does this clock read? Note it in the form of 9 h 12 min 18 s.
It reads 4 h 02 min 46 s
